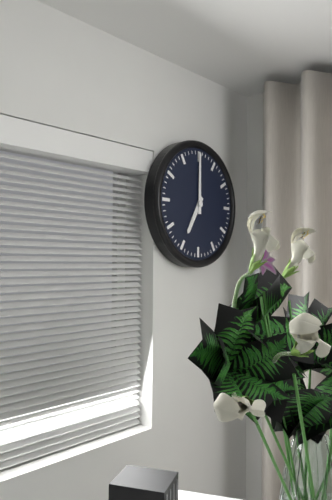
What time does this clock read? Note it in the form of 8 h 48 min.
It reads 7 h 00 min
